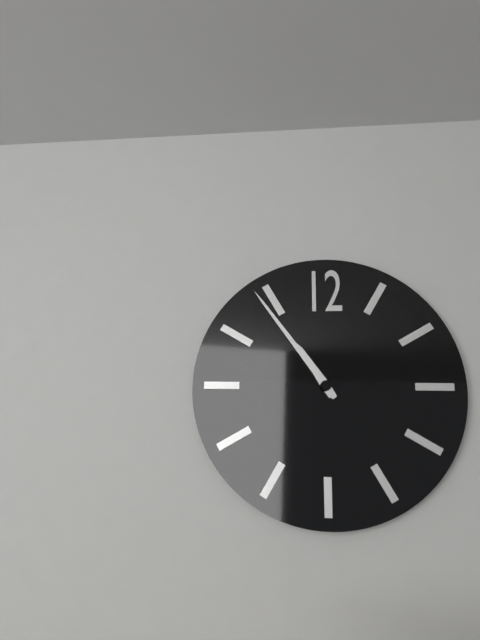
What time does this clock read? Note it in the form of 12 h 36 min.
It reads 10 h 54 min
